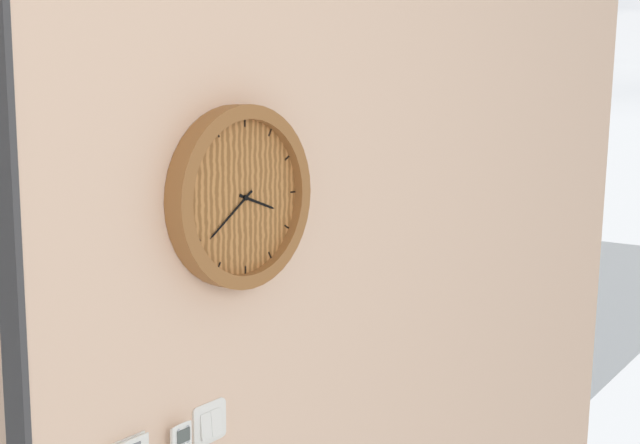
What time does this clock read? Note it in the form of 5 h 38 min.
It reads 3 h 39 min
